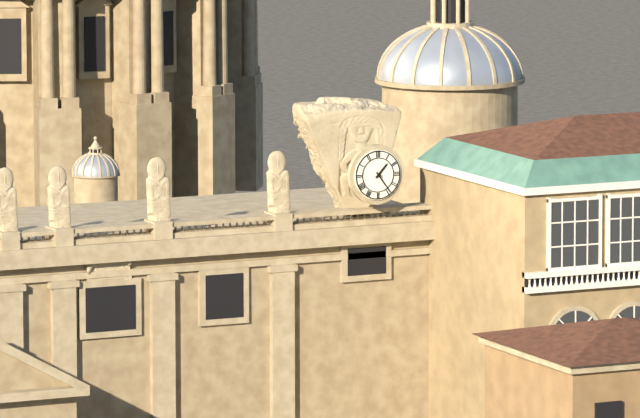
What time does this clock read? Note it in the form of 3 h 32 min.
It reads 1 h 24 min
